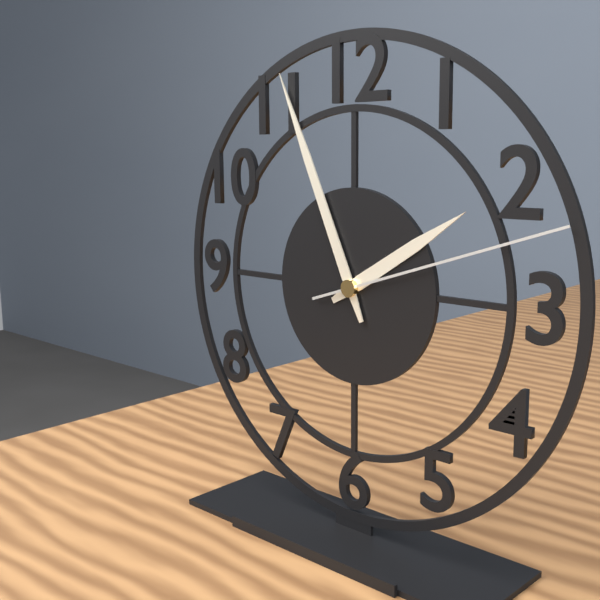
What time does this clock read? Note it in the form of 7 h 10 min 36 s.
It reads 1 h 56 min 12 s
